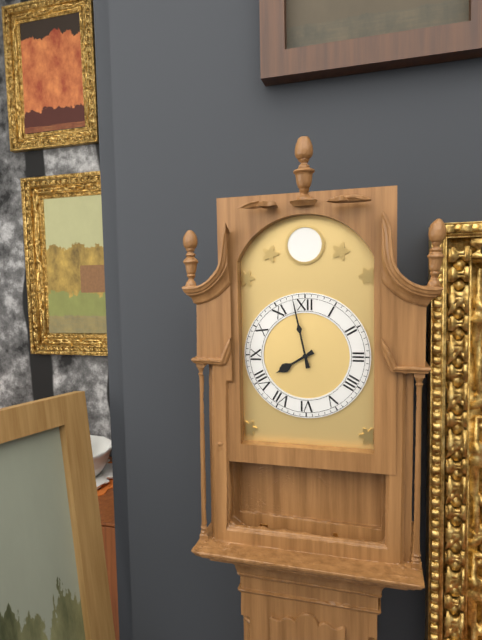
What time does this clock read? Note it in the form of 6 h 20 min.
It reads 7 h 58 min
